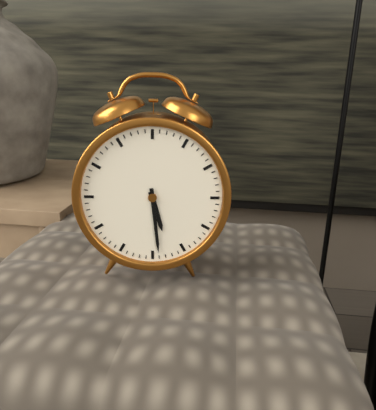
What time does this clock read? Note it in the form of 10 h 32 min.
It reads 5 h 29 min
